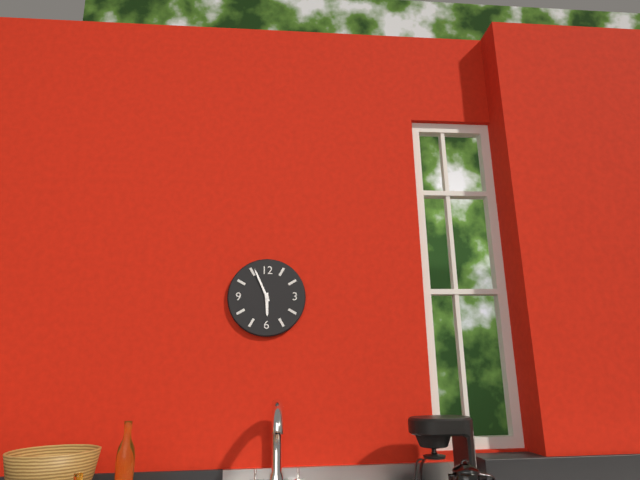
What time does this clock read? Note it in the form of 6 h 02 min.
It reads 5 h 56 min
